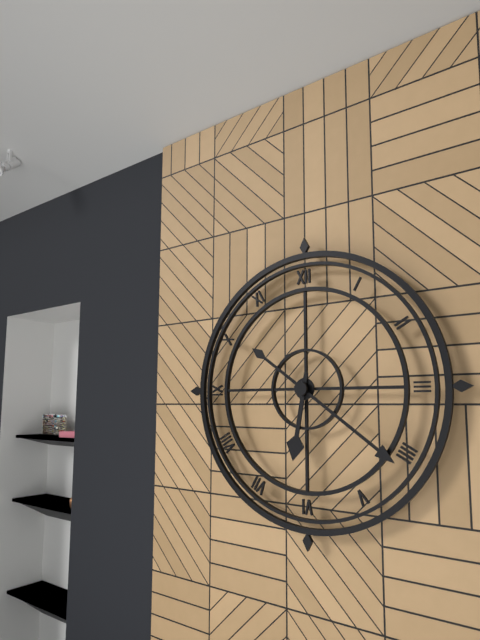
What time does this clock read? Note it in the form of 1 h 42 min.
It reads 6 h 21 min
